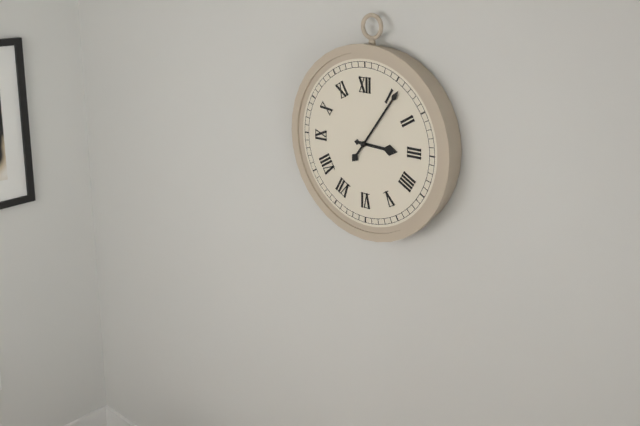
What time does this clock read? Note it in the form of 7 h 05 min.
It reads 3 h 06 min
